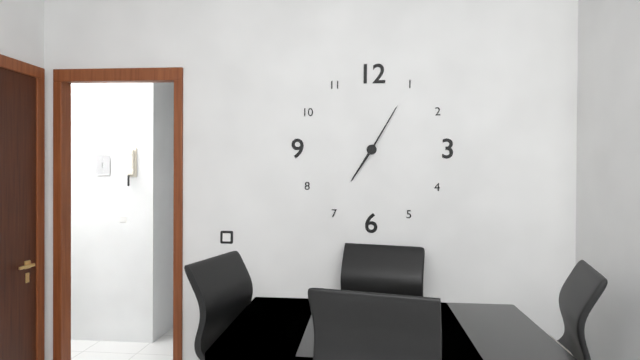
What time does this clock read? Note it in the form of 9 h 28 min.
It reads 7 h 05 min
